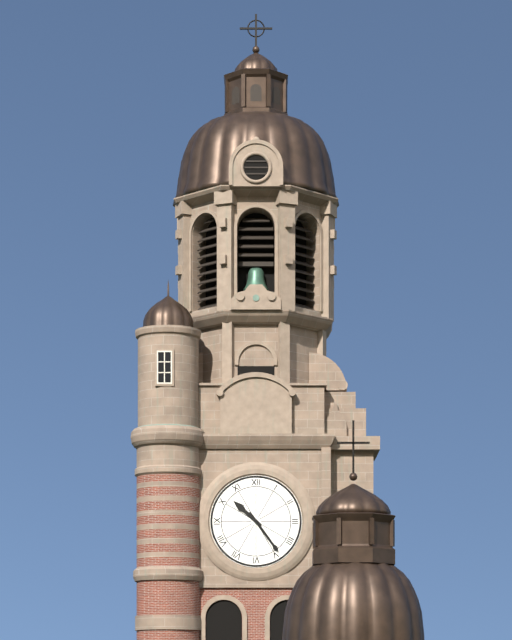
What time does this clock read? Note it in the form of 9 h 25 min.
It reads 10 h 24 min
